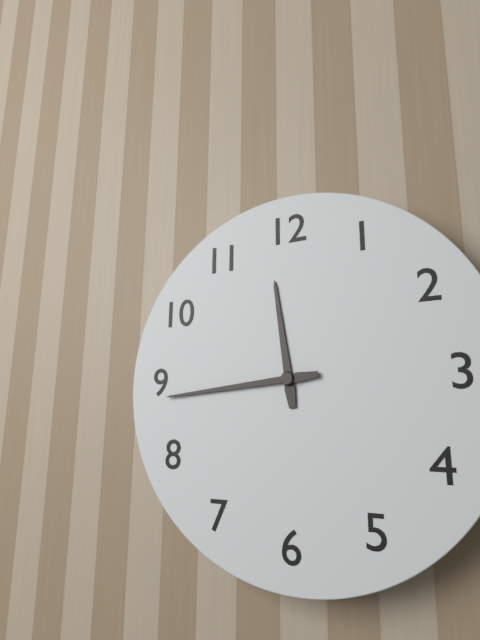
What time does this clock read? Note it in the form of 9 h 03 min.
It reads 11 h 44 min
